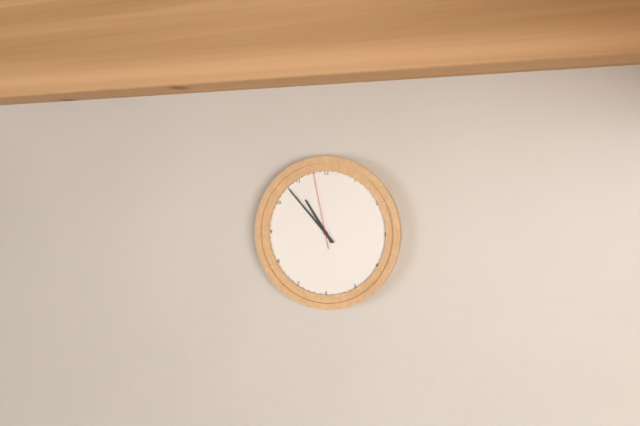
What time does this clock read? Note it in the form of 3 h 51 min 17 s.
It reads 10 h 53 min 58 s
